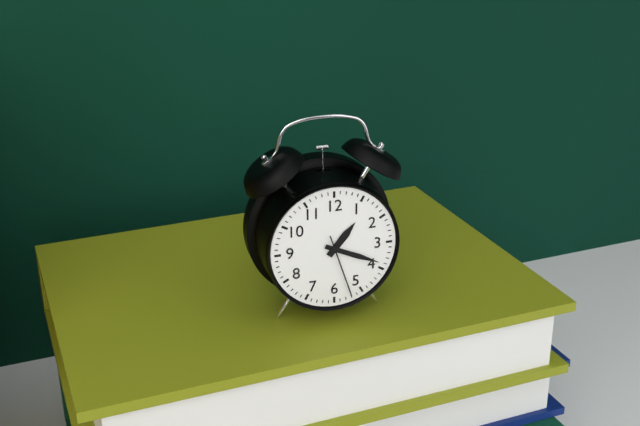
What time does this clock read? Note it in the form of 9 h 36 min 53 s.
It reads 1 h 19 min 27 s
